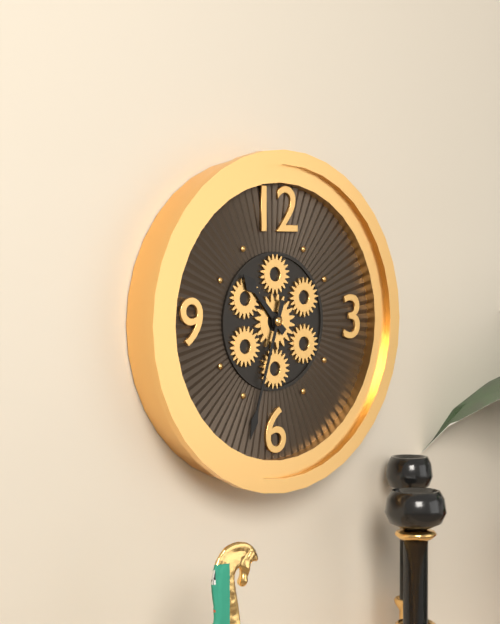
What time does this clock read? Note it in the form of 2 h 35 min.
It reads 10 h 33 min
